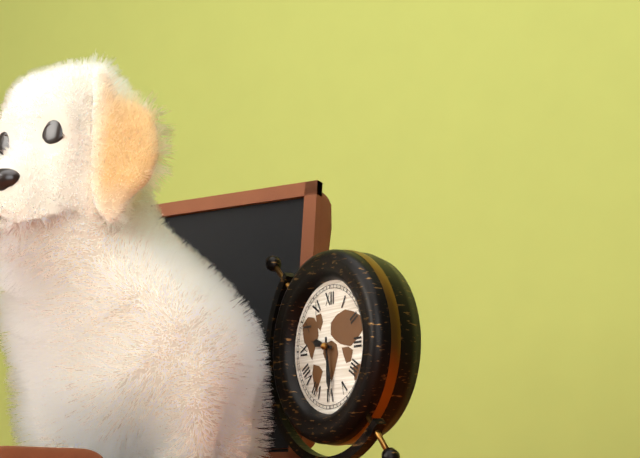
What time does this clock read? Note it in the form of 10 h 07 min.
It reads 9 h 29 min
